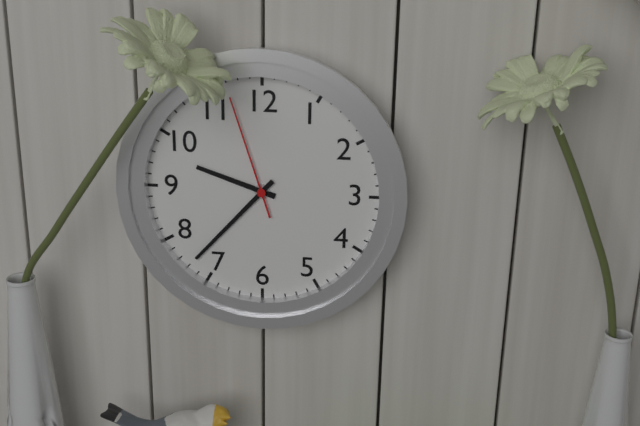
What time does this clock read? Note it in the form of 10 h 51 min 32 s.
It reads 9 h 37 min 57 s
